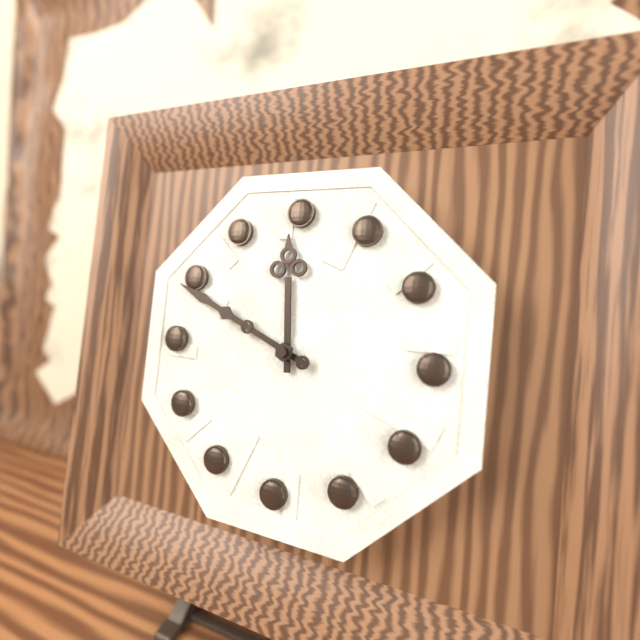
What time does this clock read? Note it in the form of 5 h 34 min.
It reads 11 h 49 min
